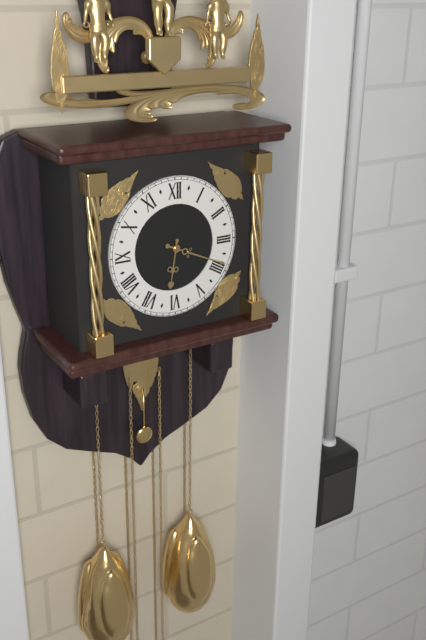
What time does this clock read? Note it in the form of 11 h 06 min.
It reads 6 h 19 min
